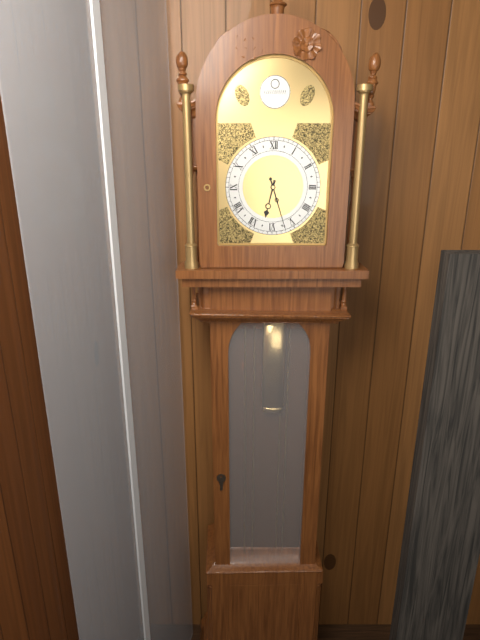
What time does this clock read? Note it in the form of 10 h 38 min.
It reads 6 h 27 min
